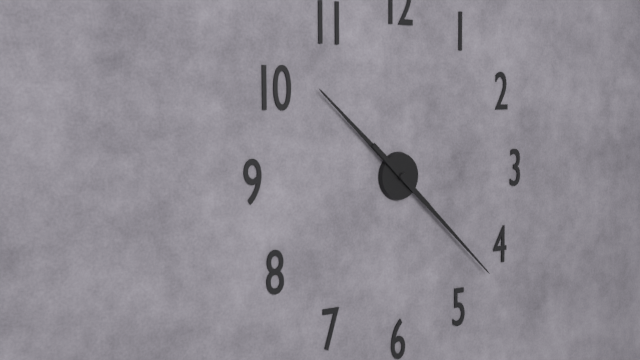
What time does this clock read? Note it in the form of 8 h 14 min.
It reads 10 h 22 min
